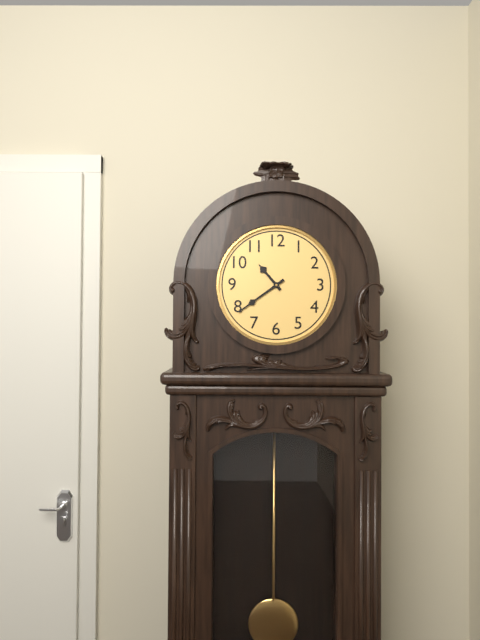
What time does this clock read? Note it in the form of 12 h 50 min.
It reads 10 h 39 min
